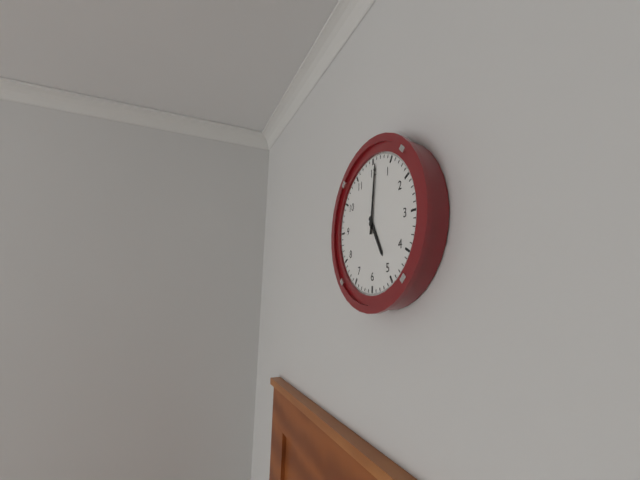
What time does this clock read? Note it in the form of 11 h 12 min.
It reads 5 h 01 min
